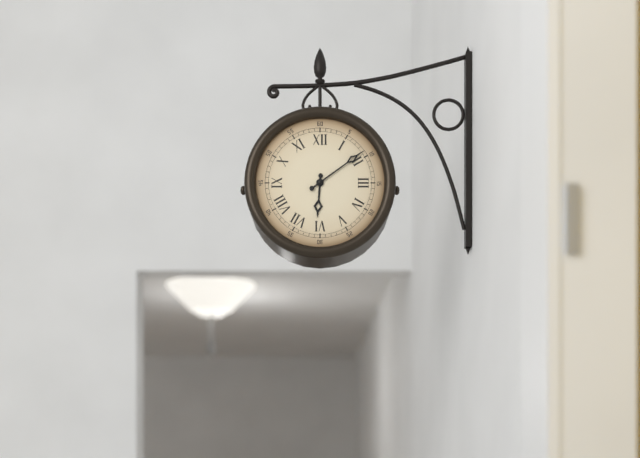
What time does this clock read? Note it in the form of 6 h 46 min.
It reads 6 h 09 min
